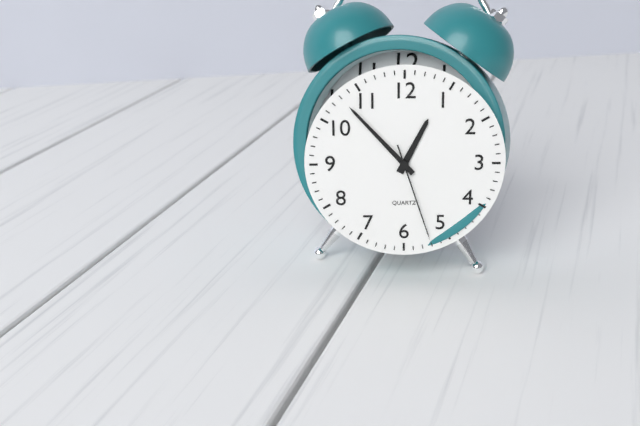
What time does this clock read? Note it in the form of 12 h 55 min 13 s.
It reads 12 h 53 min 27 s
